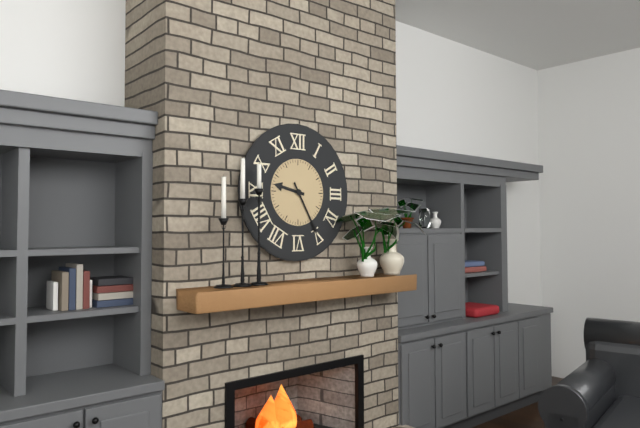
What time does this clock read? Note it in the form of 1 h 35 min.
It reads 9 h 25 min
